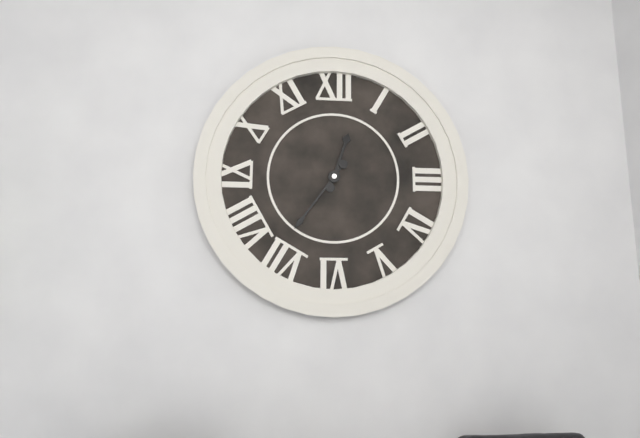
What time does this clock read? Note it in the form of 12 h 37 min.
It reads 12 h 36 min
